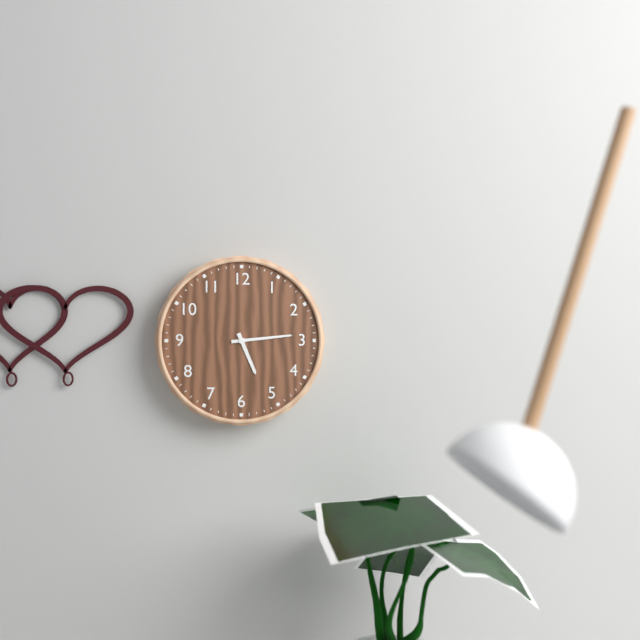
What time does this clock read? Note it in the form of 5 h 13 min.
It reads 5 h 14 min
